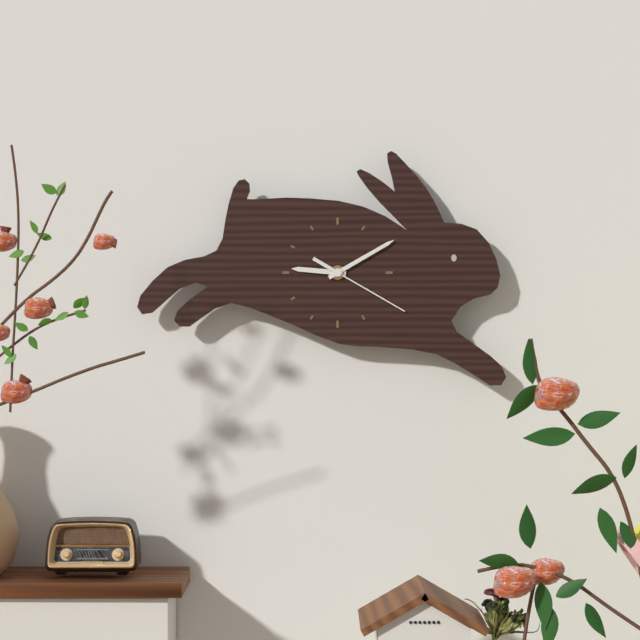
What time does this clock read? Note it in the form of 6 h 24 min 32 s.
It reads 9 h 10 min 20 s
